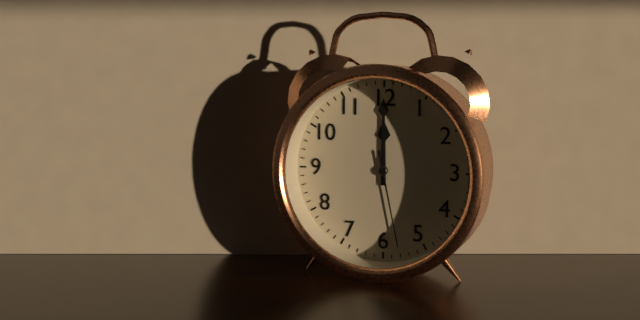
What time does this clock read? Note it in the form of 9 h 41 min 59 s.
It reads 12 h 00 min 28 s
